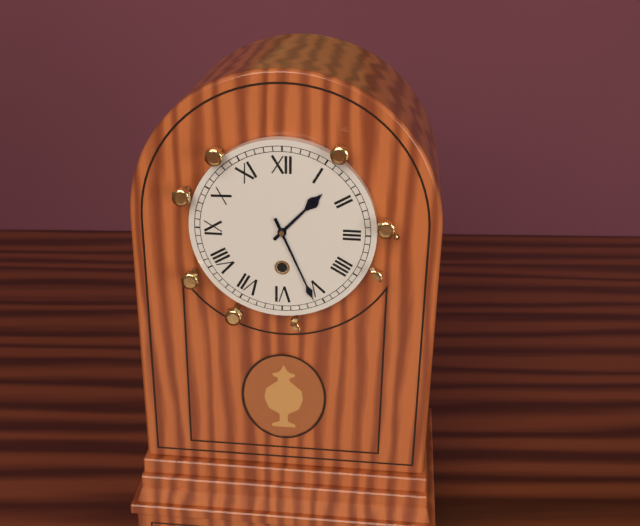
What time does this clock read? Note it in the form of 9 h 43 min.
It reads 1 h 26 min
